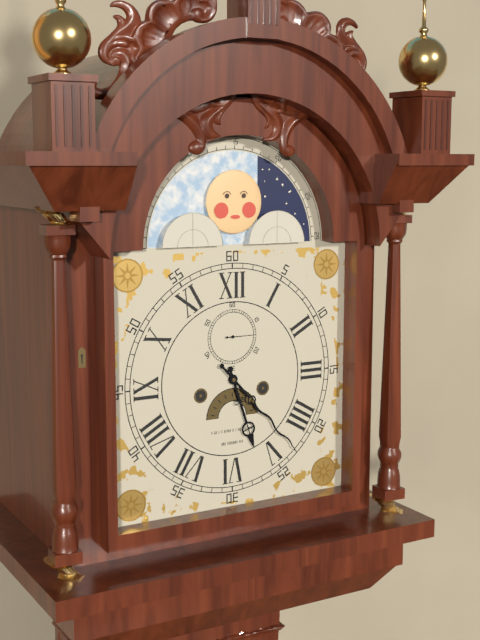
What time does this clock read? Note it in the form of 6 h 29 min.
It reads 5 h 23 min
